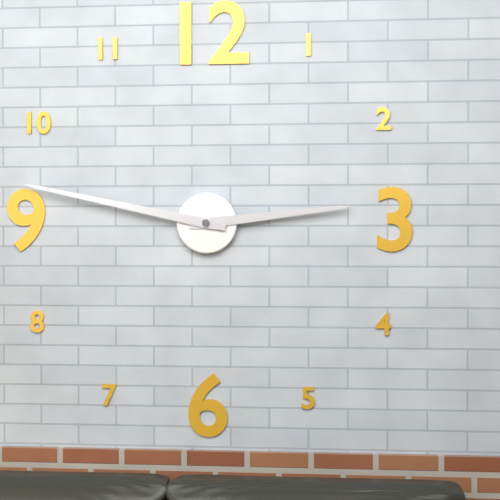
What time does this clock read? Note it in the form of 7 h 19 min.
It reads 2 h 47 min
